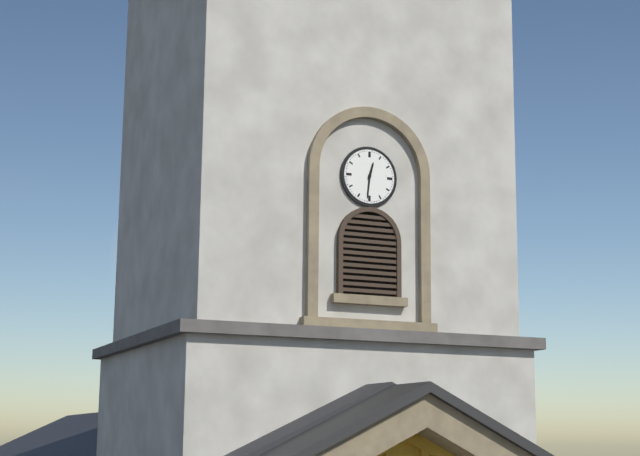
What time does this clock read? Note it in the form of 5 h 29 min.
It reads 12 h 31 min
